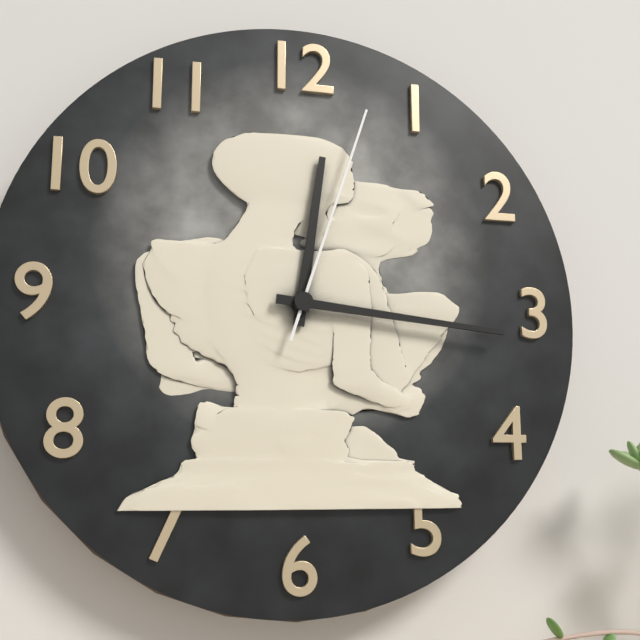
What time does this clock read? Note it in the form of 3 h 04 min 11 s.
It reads 12 h 16 min 03 s
